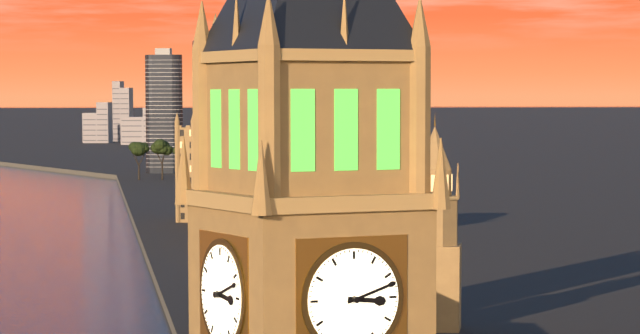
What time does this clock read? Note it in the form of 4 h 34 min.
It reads 3 h 12 min
